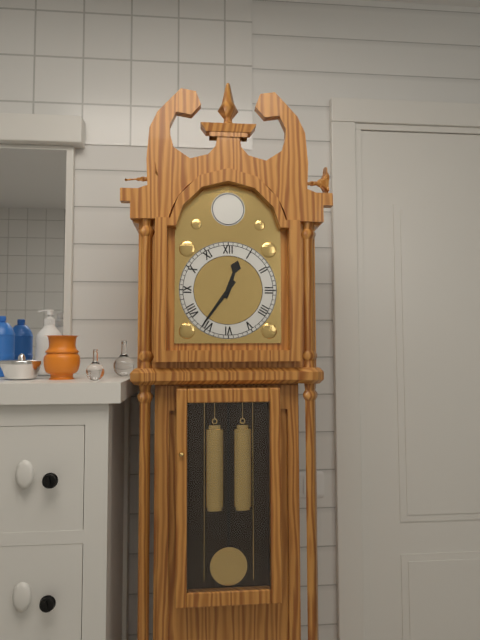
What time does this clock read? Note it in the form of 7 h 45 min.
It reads 12 h 36 min
